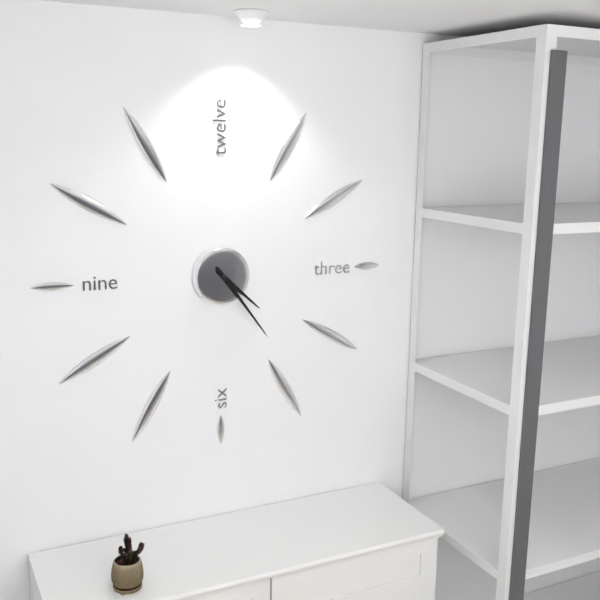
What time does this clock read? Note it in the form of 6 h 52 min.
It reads 4 h 24 min
